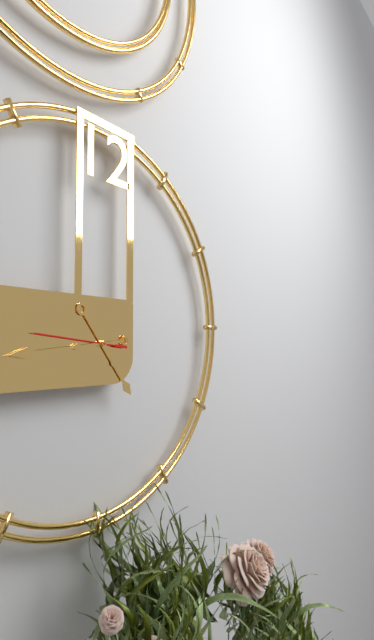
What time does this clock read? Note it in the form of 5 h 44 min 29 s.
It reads 4 h 44 min 46 s
